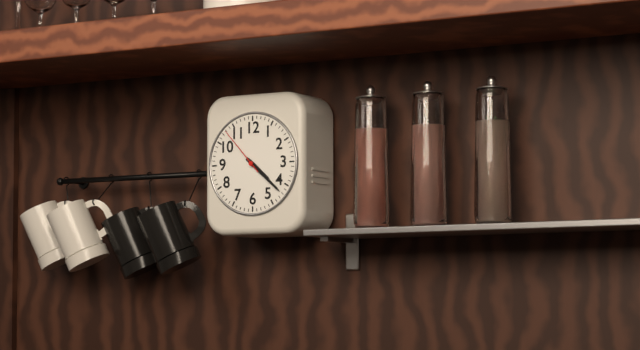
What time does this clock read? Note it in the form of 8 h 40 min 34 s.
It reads 4 h 22 min 53 s
